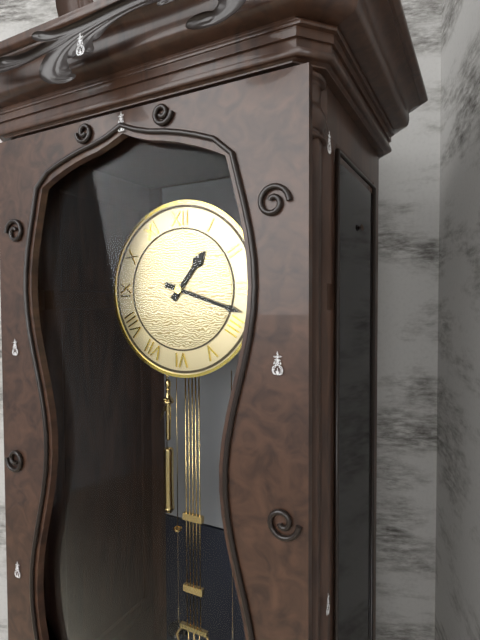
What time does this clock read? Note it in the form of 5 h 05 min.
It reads 1 h 18 min
